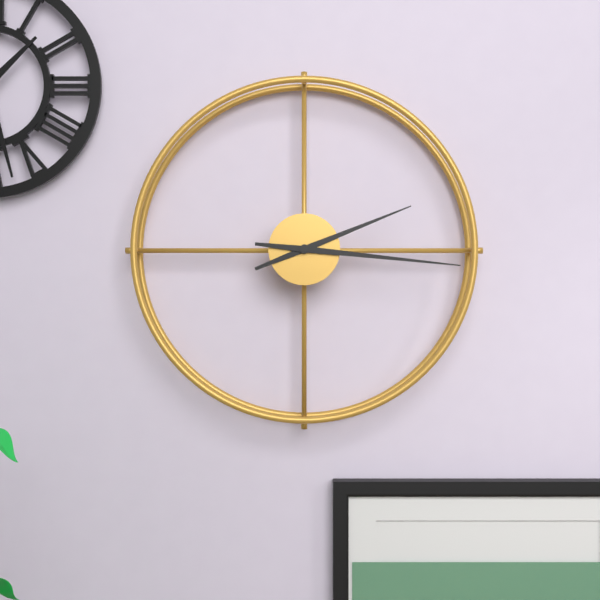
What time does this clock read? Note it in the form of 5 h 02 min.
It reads 2 h 16 min
